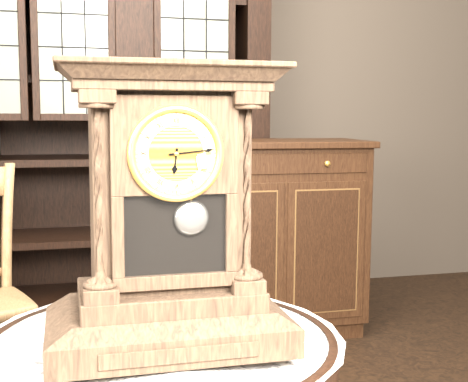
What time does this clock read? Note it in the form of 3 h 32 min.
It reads 6 h 14 min
